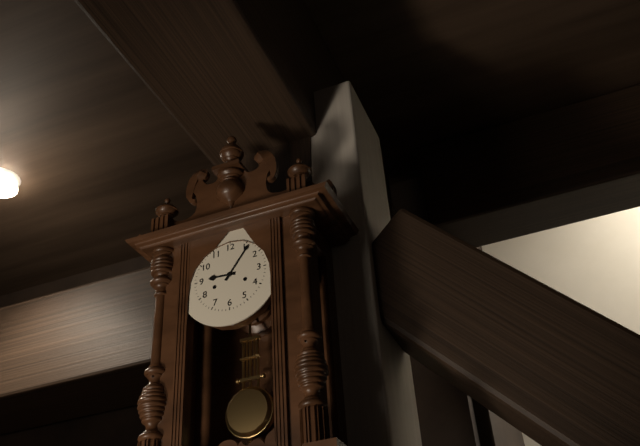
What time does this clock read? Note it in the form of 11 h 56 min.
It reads 9 h 06 min
